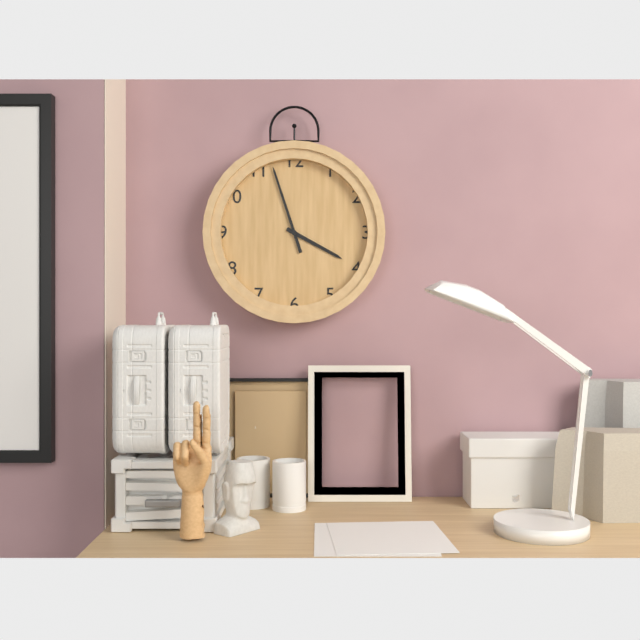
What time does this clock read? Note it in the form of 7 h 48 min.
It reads 3 h 57 min
